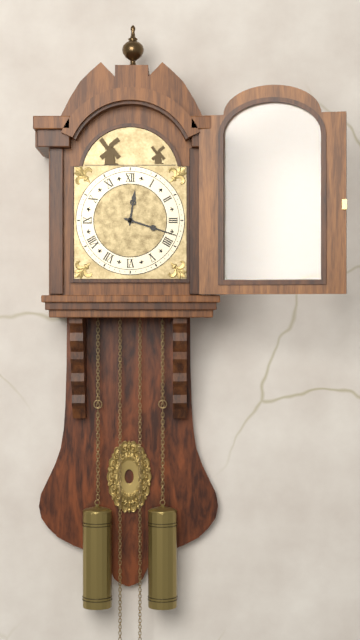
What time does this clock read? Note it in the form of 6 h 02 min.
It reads 12 h 18 min
